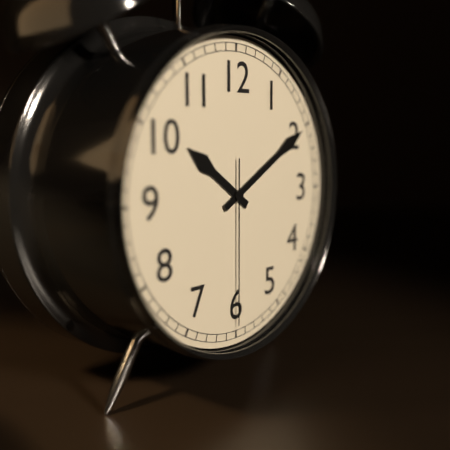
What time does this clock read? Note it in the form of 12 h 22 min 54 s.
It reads 10 h 10 min 30 s
